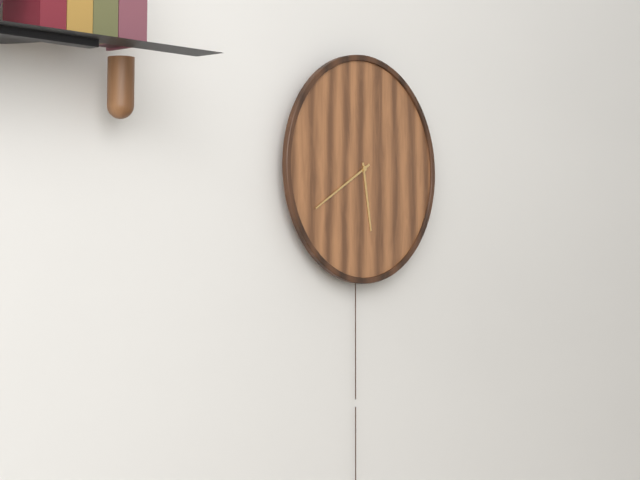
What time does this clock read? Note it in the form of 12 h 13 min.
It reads 5 h 40 min
